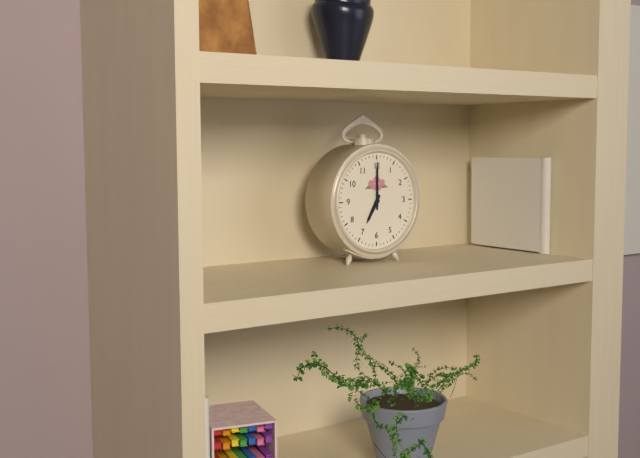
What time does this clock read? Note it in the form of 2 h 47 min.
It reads 7 h 00 min
